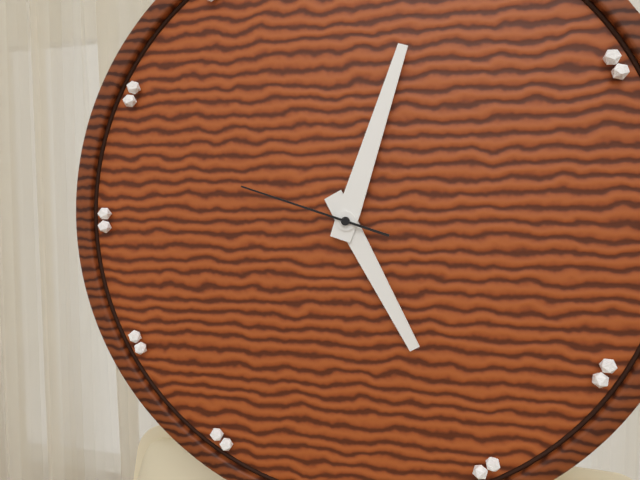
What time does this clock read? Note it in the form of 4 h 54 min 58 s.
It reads 5 h 03 min 48 s
